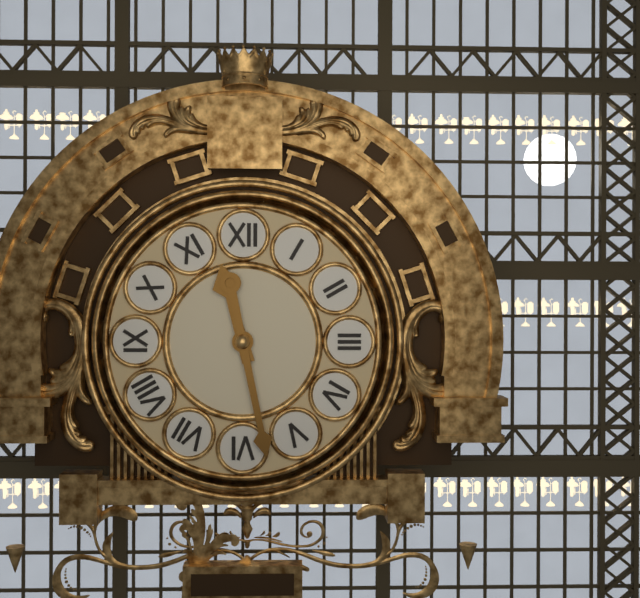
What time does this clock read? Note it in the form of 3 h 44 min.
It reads 11 h 28 min
